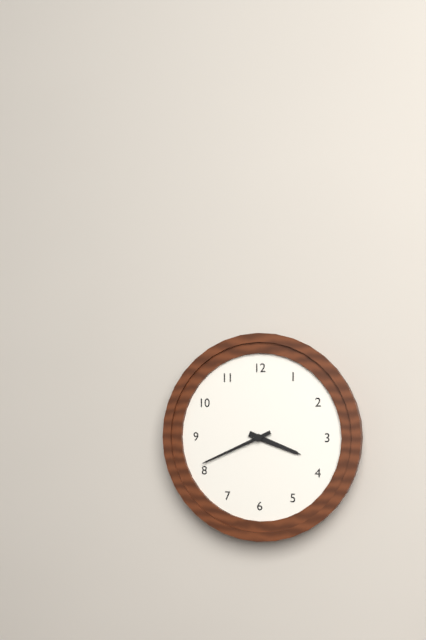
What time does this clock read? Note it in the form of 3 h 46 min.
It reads 3 h 41 min
